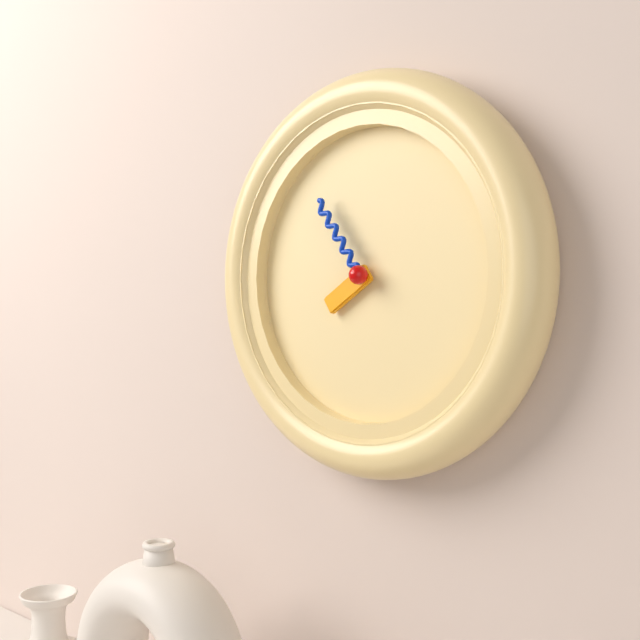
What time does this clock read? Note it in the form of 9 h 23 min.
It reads 7 h 54 min
